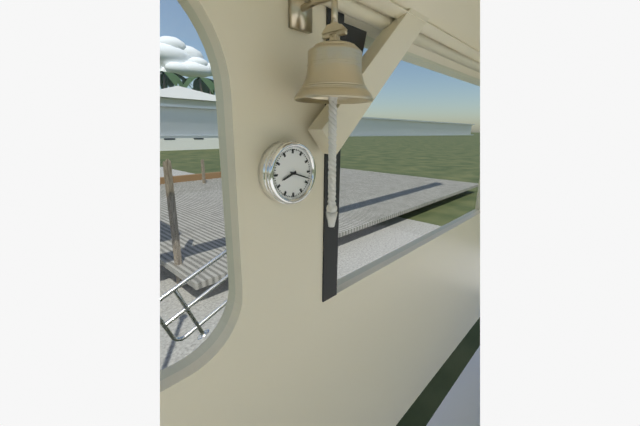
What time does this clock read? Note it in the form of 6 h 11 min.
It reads 8 h 18 min
